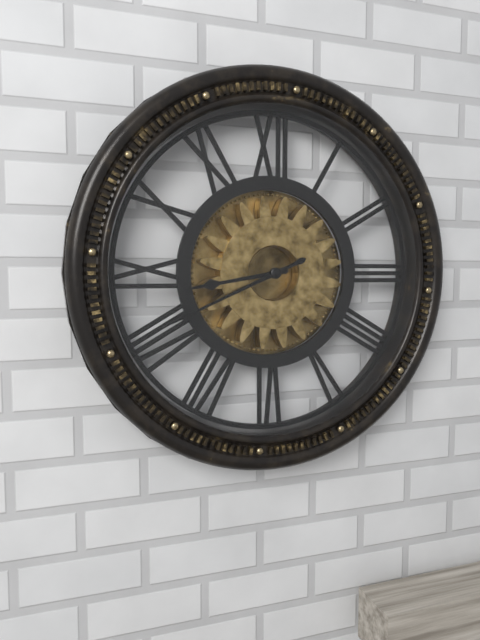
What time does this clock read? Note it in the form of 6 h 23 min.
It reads 8 h 41 min
